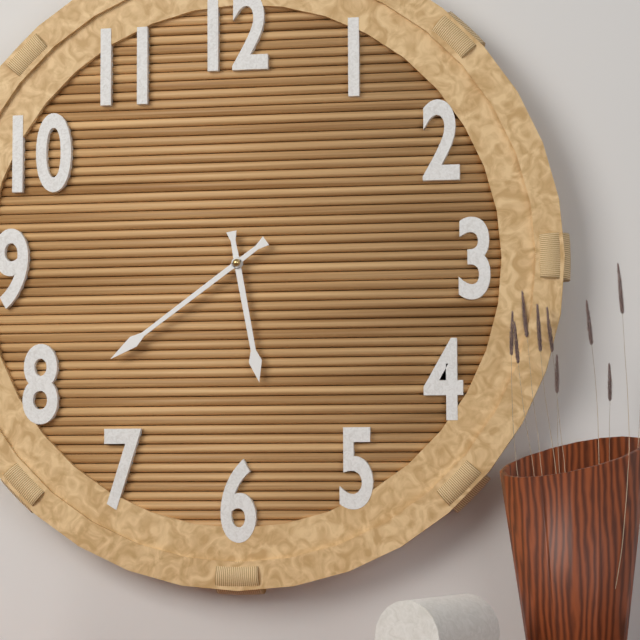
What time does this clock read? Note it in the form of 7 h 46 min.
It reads 5 h 39 min
